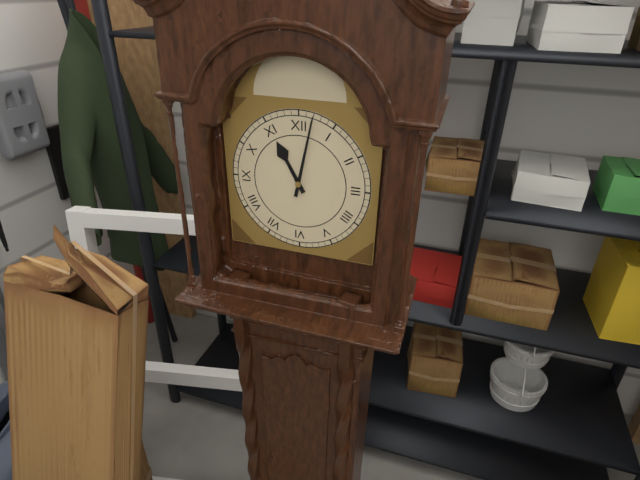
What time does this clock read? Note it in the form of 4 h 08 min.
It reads 11 h 02 min
